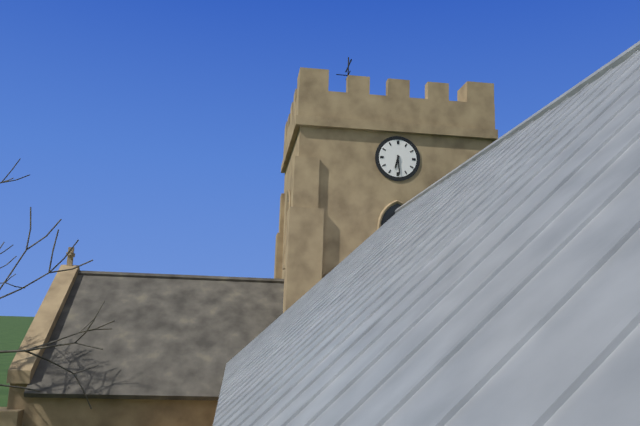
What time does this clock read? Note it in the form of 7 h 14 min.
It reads 6 h 29 min
